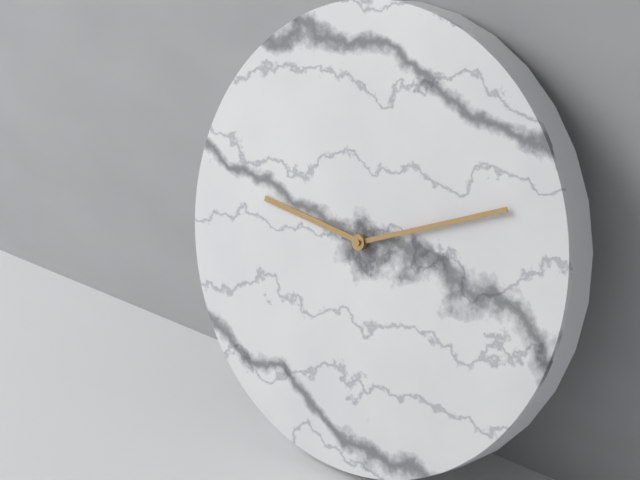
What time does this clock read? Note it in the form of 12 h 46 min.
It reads 9 h 11 min
